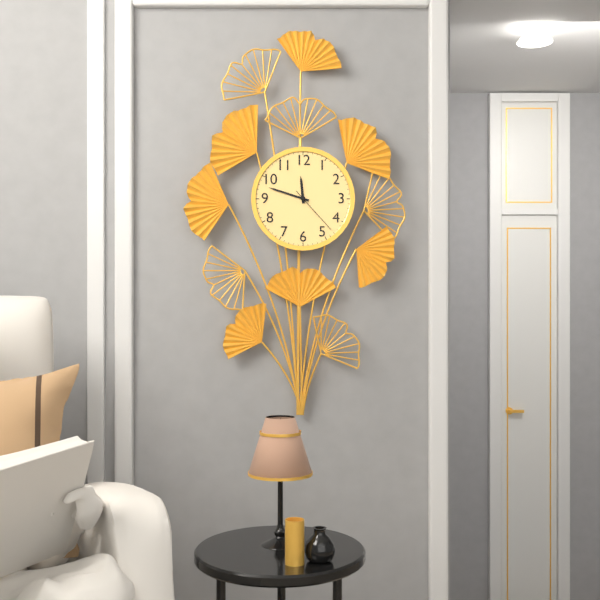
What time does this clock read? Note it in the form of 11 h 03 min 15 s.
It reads 11 h 48 min 23 s
